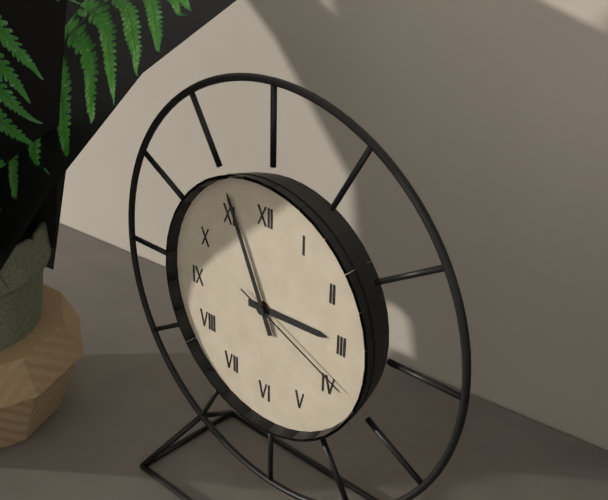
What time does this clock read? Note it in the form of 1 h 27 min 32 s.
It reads 2 h 56 min 19 s
